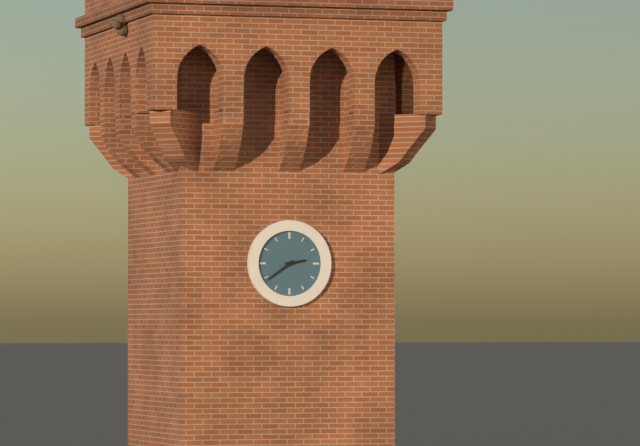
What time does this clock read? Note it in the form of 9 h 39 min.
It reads 2 h 39 min
